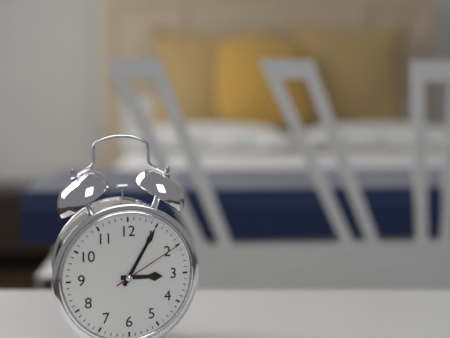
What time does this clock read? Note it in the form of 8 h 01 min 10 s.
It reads 3 h 05 min 10 s
